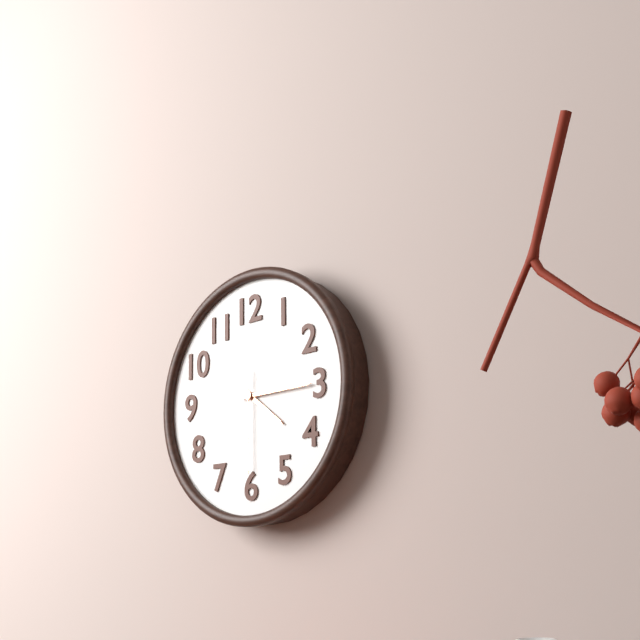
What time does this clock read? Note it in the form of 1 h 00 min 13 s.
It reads 4 h 15 min 30 s
